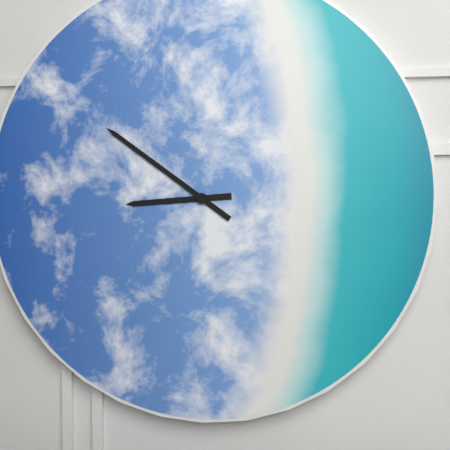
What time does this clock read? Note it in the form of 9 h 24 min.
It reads 8 h 51 min
